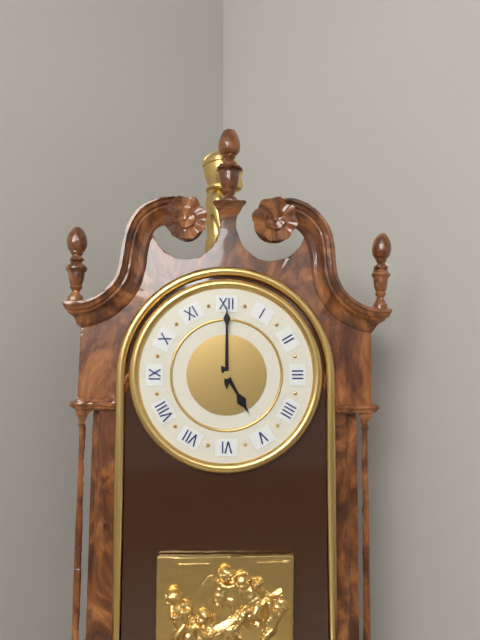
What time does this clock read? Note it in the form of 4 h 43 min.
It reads 5 h 00 min
